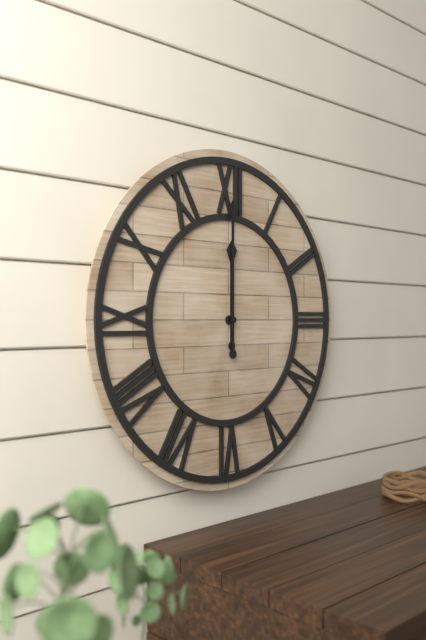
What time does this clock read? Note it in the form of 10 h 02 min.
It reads 12 h 00 min
